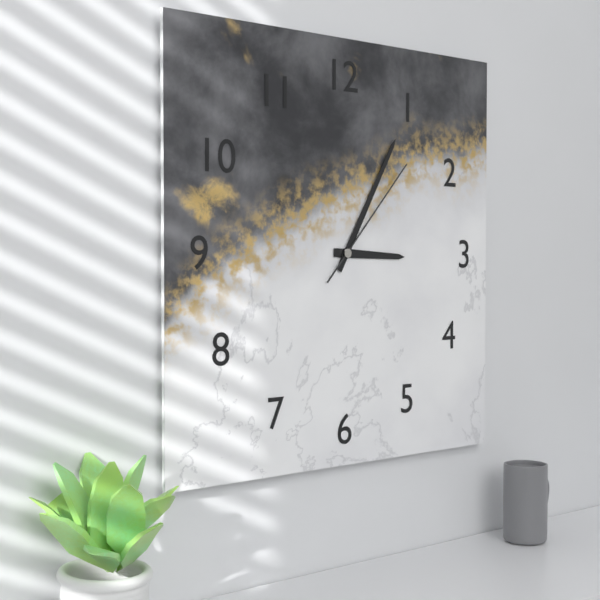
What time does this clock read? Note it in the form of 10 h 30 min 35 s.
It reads 3 h 05 min 07 s
